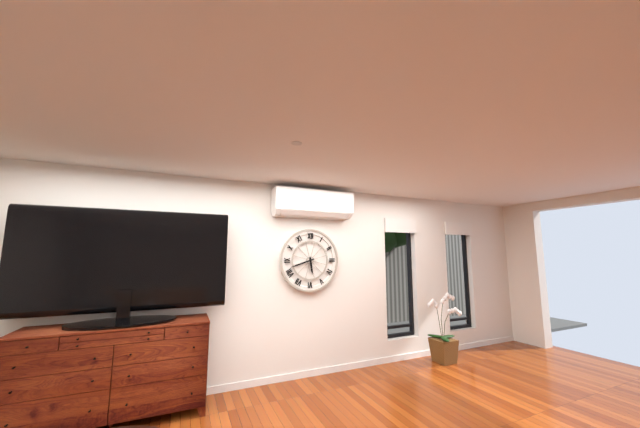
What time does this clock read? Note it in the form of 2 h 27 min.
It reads 5 h 42 min
